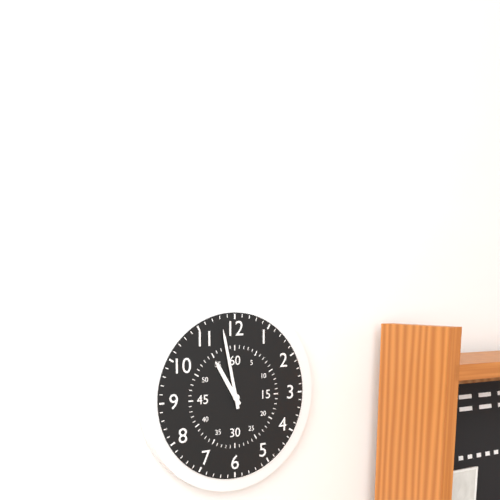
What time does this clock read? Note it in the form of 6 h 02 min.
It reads 10 h 58 min
